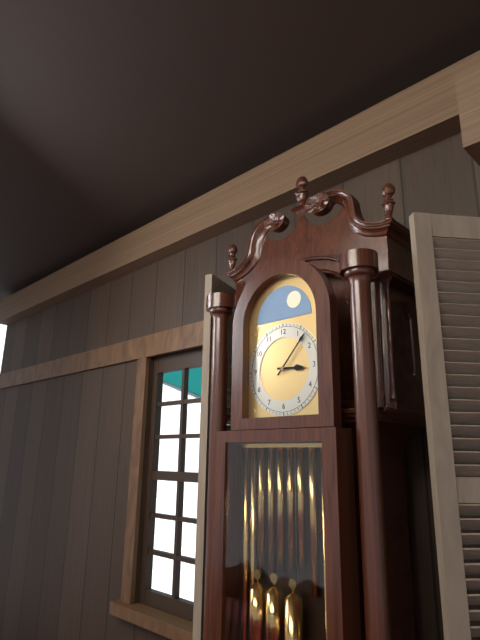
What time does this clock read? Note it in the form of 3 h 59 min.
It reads 3 h 07 min
